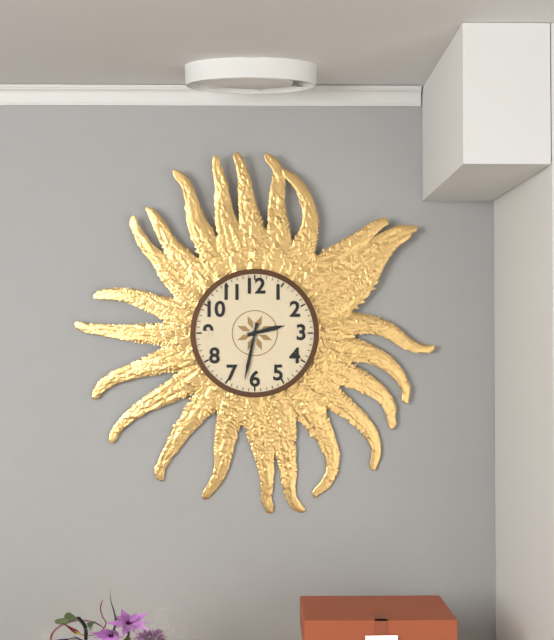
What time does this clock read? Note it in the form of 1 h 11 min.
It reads 2 h 32 min
